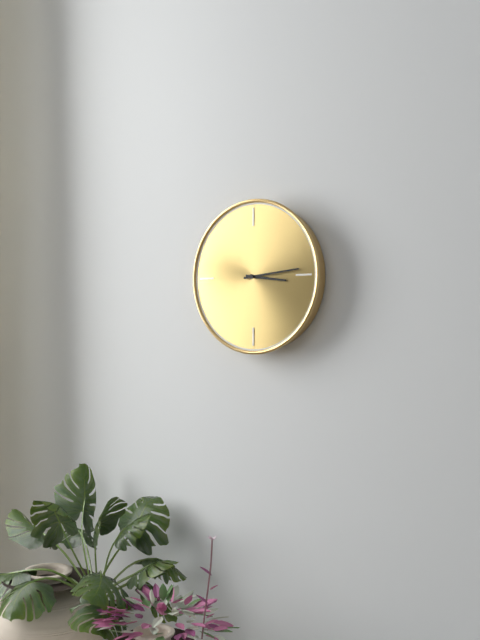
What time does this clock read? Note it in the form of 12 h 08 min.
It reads 3 h 14 min
